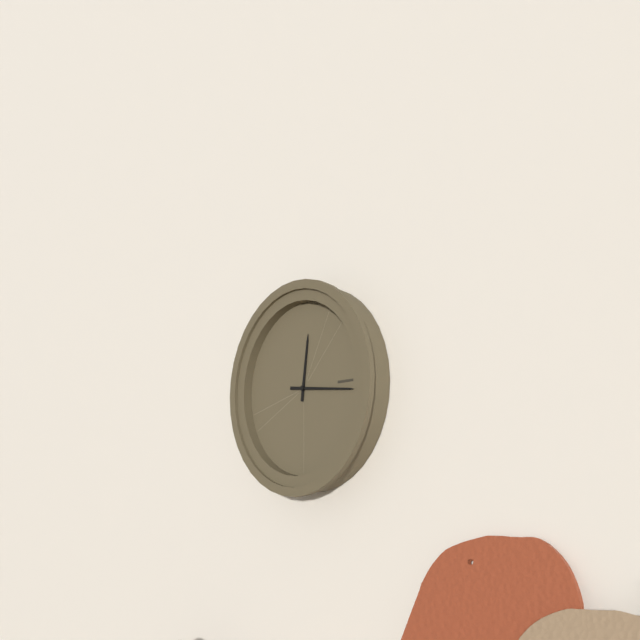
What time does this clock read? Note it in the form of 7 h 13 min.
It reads 12 h 16 min
